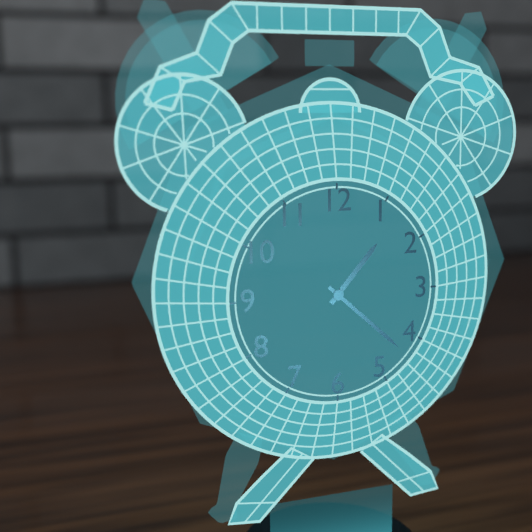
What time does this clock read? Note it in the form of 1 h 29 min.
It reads 1 h 22 min
